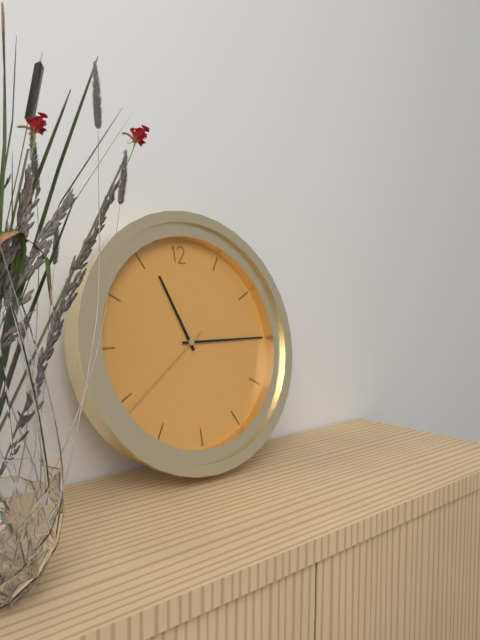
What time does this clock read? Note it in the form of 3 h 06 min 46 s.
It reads 11 h 15 min 39 s
